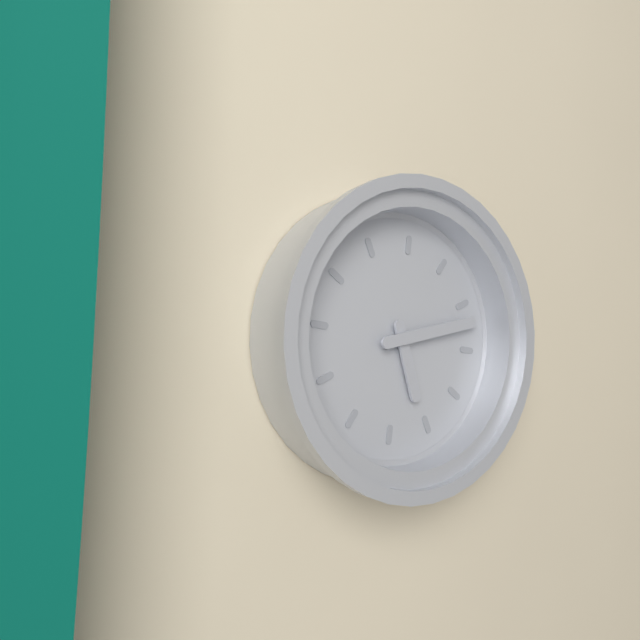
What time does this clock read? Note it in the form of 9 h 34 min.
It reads 5 h 12 min
